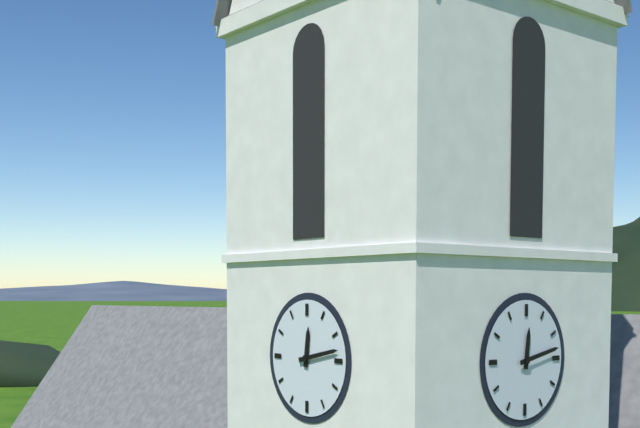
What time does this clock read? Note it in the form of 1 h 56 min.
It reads 12 h 13 min
